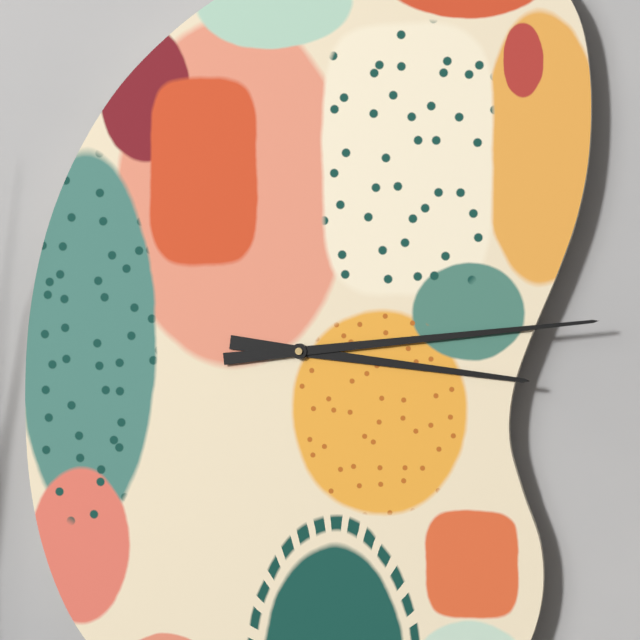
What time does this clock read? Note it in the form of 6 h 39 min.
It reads 3 h 14 min
